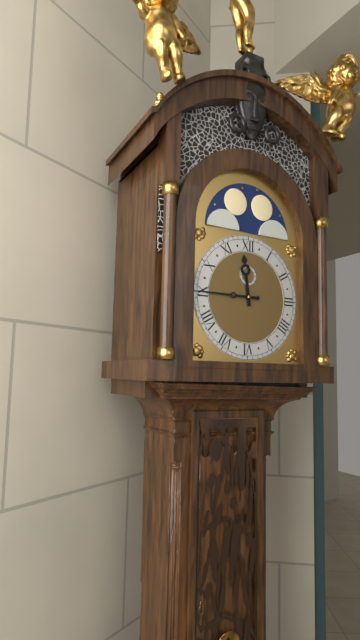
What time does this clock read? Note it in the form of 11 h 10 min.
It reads 11 h 45 min
